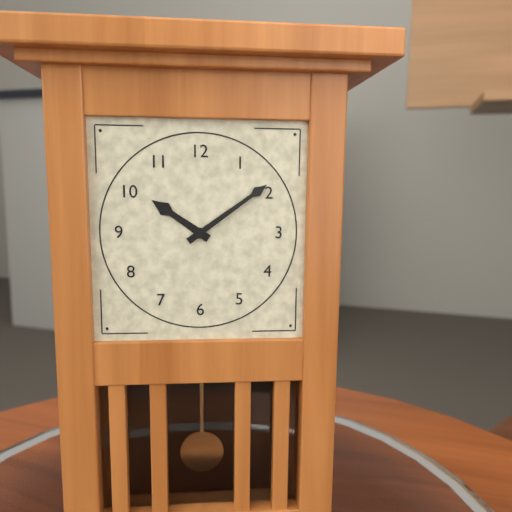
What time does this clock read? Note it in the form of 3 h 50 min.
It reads 10 h 09 min
